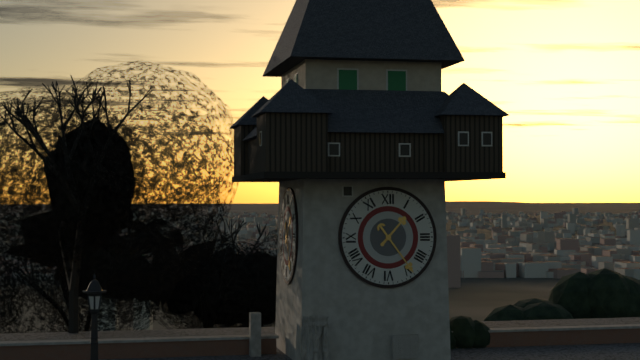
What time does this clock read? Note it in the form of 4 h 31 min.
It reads 1 h 24 min
